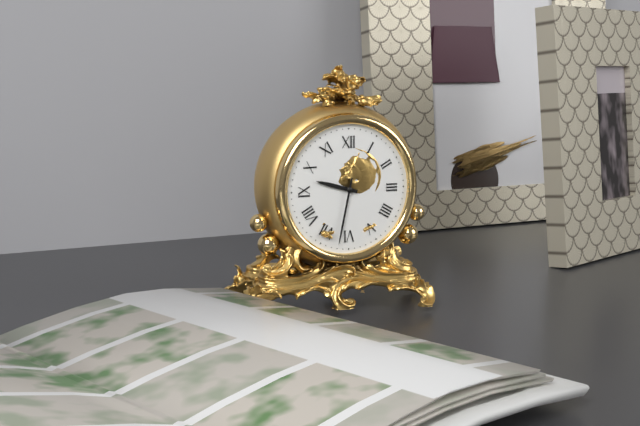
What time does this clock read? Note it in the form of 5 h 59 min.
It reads 9 h 32 min
